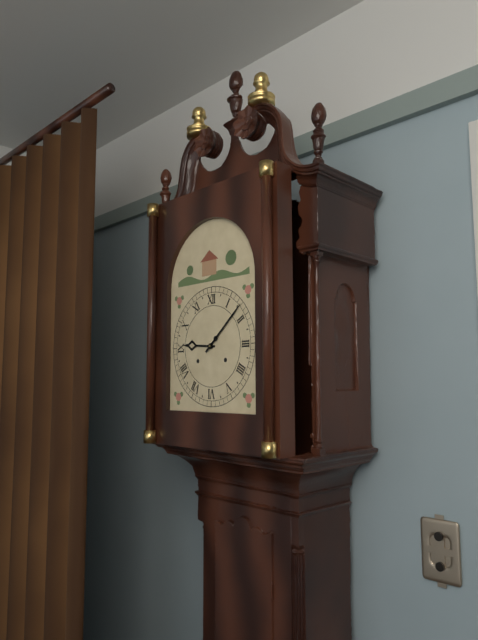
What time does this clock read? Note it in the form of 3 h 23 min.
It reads 9 h 08 min
